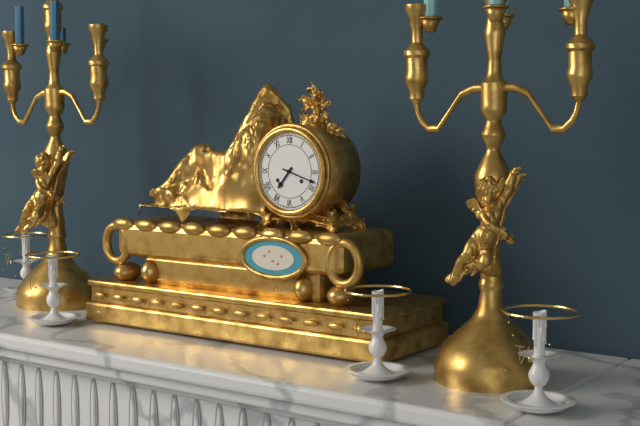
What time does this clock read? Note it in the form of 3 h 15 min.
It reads 7 h 18 min
